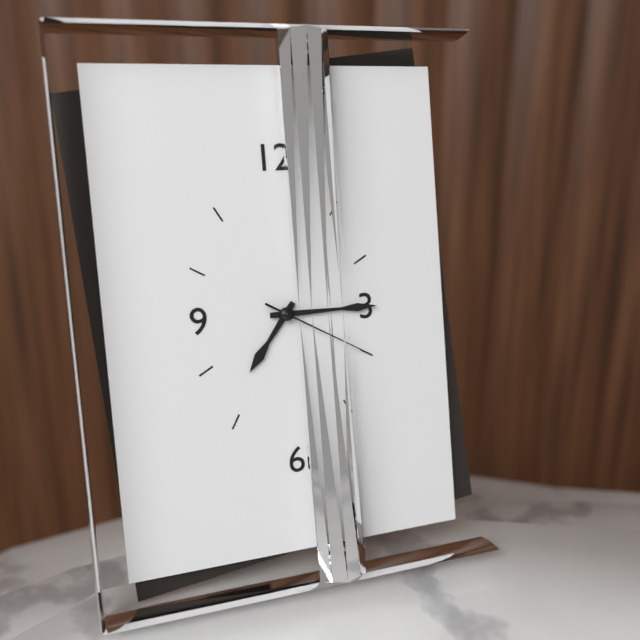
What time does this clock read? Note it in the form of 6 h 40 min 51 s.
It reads 7 h 15 min 20 s
